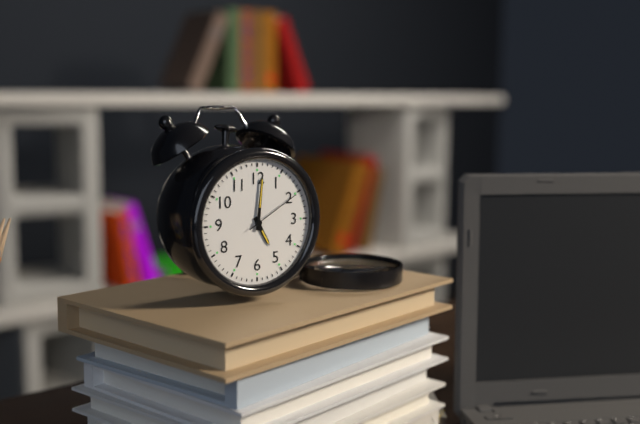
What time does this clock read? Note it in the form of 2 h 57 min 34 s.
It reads 5 h 01 min 10 s
